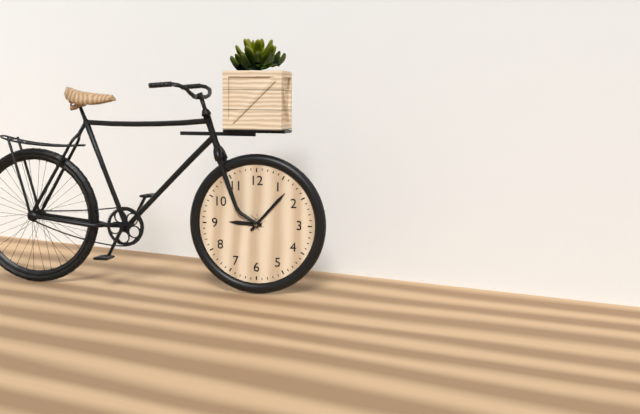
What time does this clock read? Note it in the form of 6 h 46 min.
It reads 9 h 07 min
